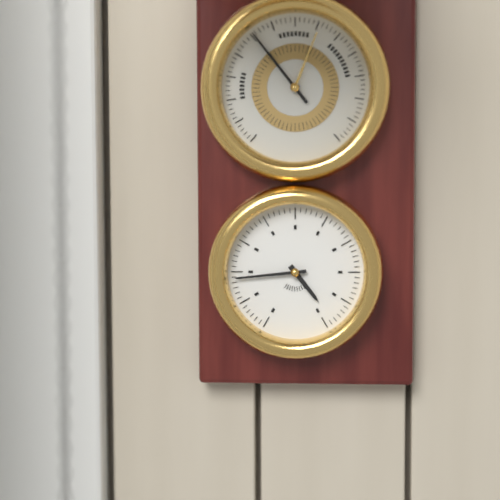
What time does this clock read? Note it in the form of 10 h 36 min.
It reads 4 h 44 min
